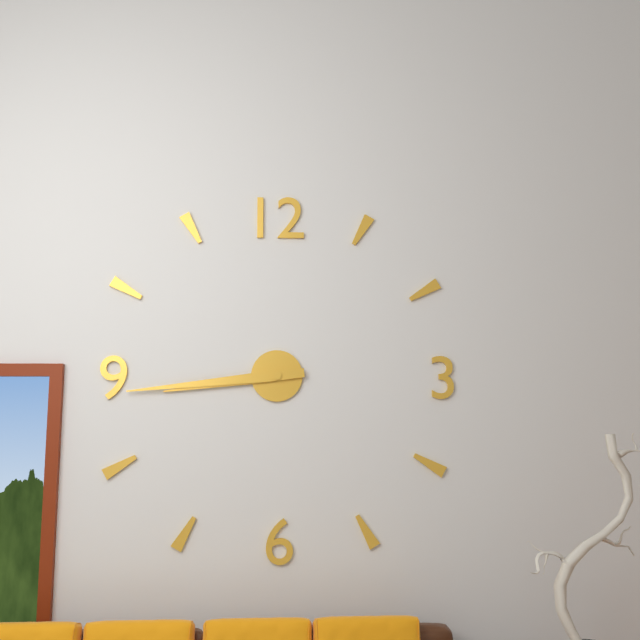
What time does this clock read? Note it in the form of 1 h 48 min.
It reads 8 h 44 min
